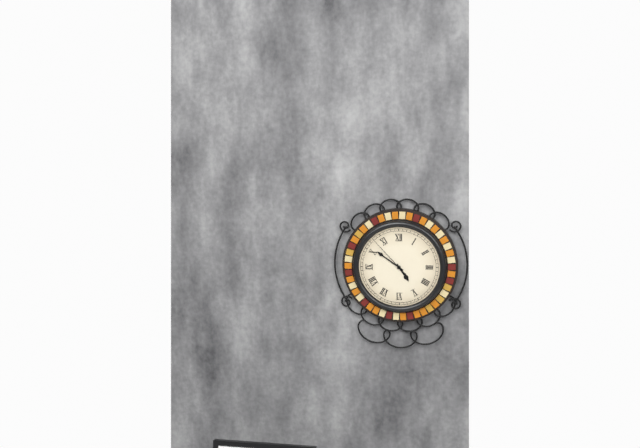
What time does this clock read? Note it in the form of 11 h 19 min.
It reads 4 h 51 min
